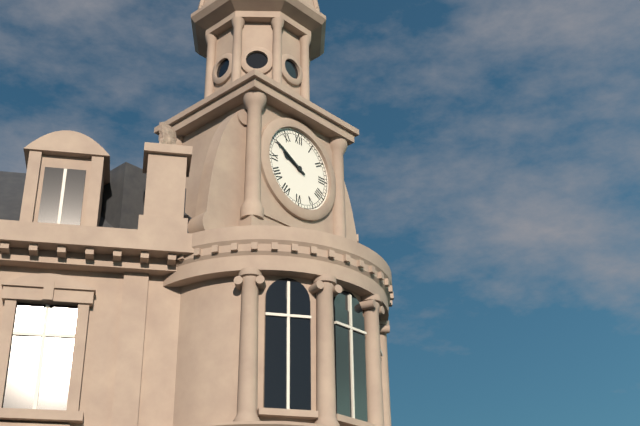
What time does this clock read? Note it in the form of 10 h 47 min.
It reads 9 h 50 min
